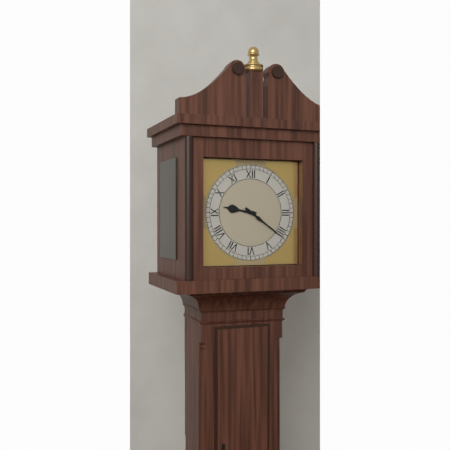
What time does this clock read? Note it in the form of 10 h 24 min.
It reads 9 h 21 min
